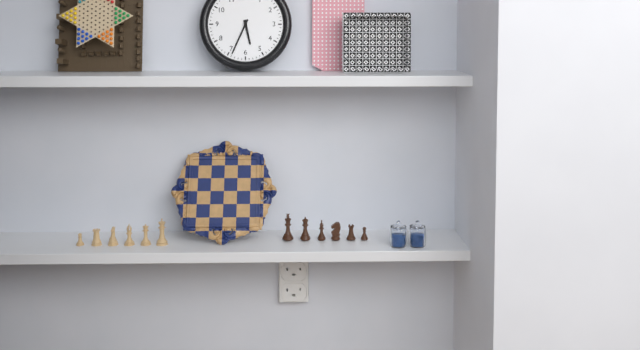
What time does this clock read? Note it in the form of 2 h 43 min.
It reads 5 h 34 min
